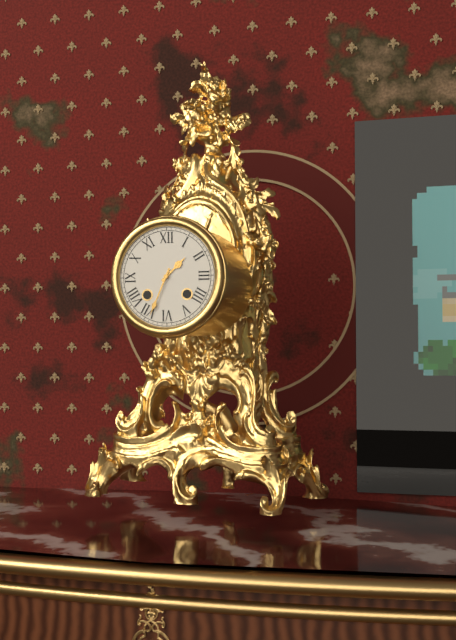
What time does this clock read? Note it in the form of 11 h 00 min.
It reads 1 h 34 min
